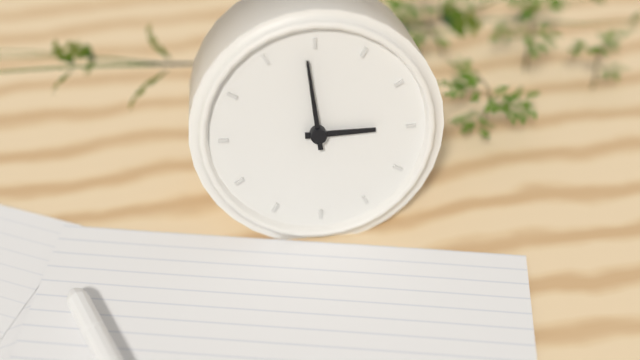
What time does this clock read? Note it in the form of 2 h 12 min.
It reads 2 h 59 min
